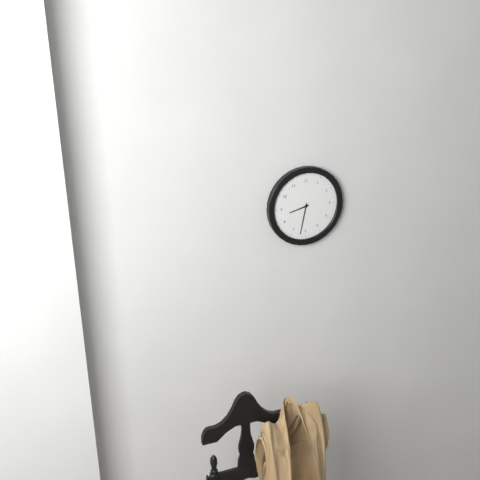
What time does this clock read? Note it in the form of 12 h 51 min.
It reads 8 h 32 min
